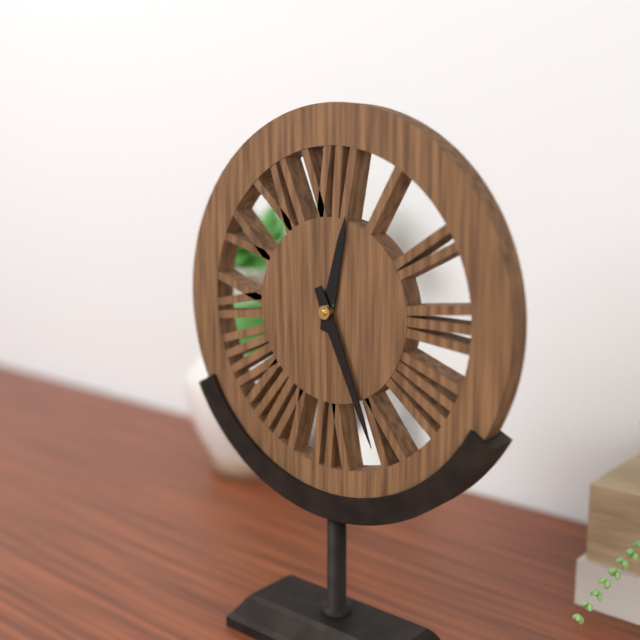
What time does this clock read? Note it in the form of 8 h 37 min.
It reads 12 h 26 min
